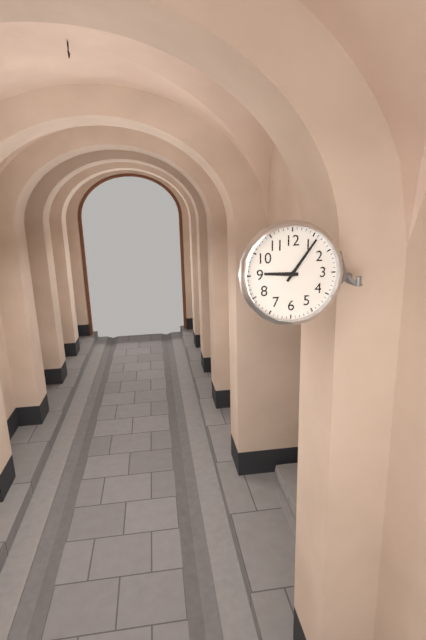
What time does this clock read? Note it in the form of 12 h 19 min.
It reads 9 h 06 min
